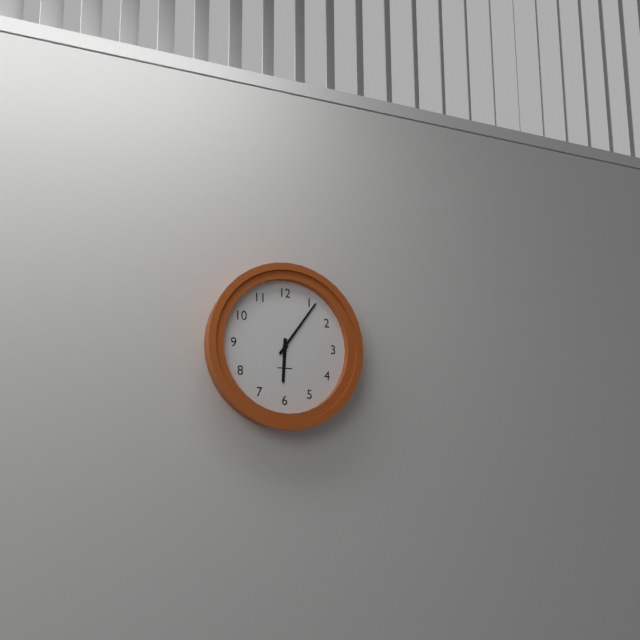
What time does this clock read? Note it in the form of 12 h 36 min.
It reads 6 h 06 min
